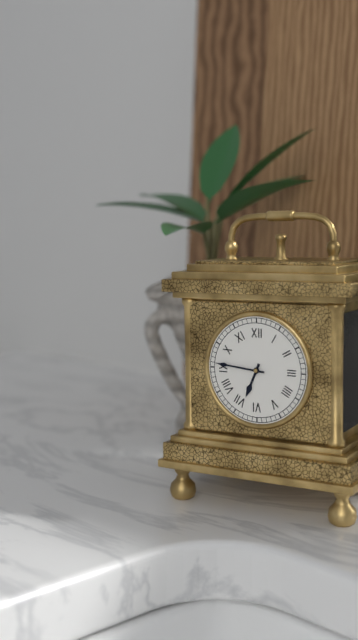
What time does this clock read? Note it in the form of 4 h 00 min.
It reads 6 h 46 min
